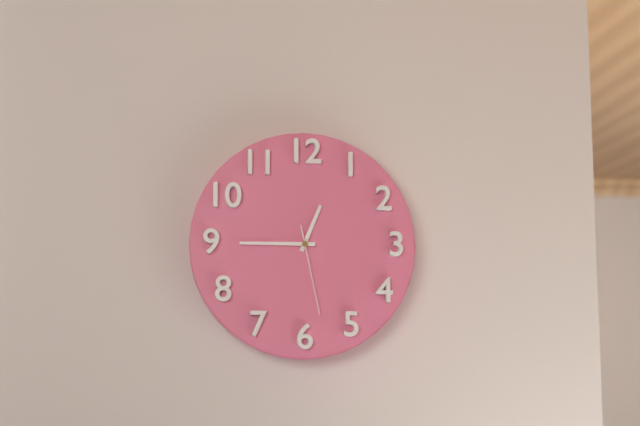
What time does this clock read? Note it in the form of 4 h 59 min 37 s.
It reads 12 h 45 min 28 s
